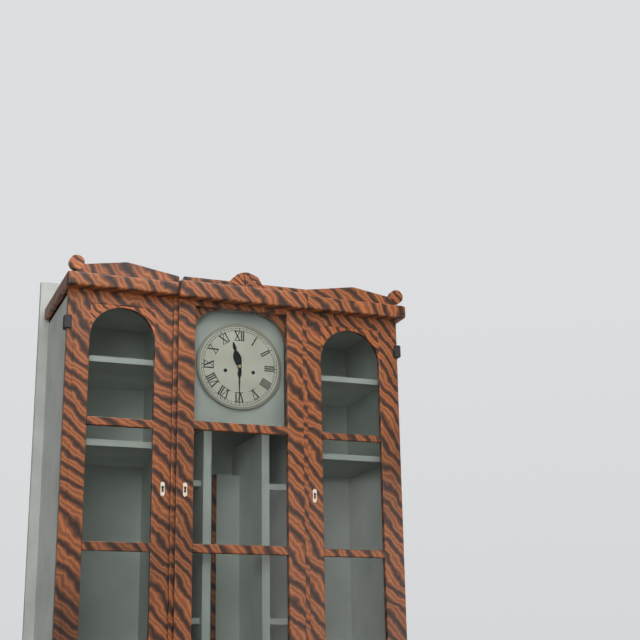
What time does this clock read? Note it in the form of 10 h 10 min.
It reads 11 h 30 min
